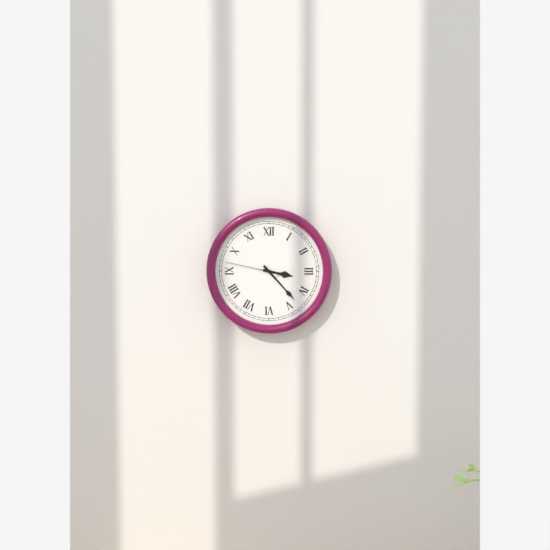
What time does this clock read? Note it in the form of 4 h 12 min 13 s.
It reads 3 h 23 min 47 s
